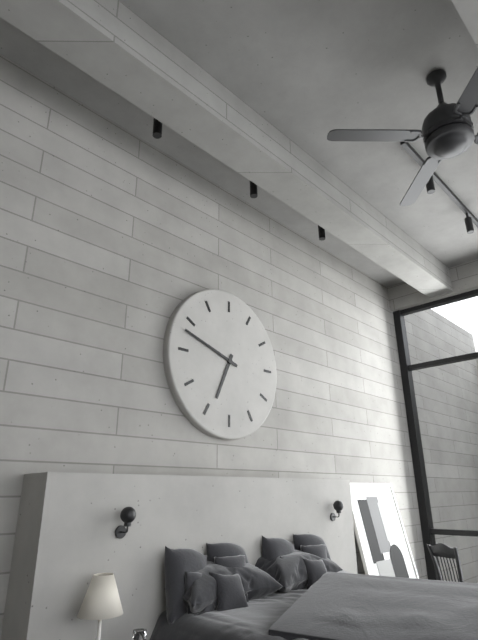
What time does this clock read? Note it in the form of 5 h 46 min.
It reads 6 h 48 min
